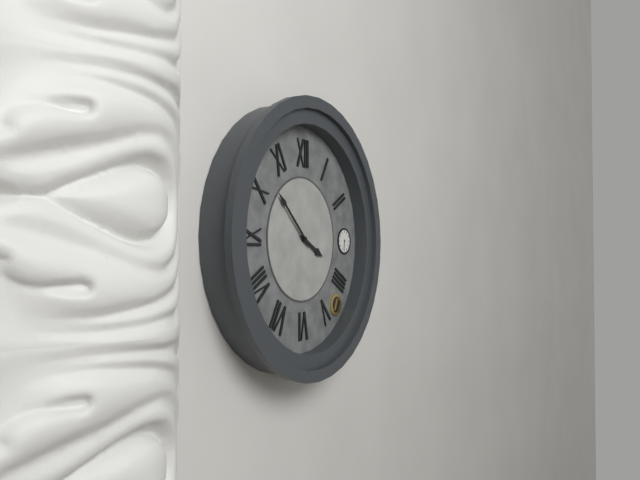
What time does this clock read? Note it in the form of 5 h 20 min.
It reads 3 h 52 min
